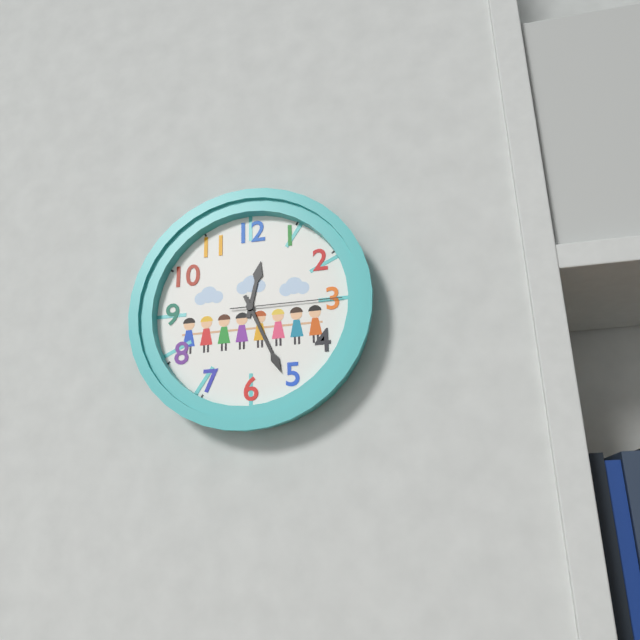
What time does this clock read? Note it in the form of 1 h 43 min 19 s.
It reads 12 h 26 min 15 s
